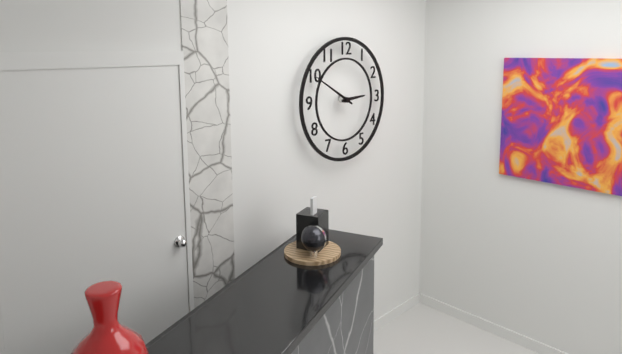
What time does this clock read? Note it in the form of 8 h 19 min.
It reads 2 h 50 min
